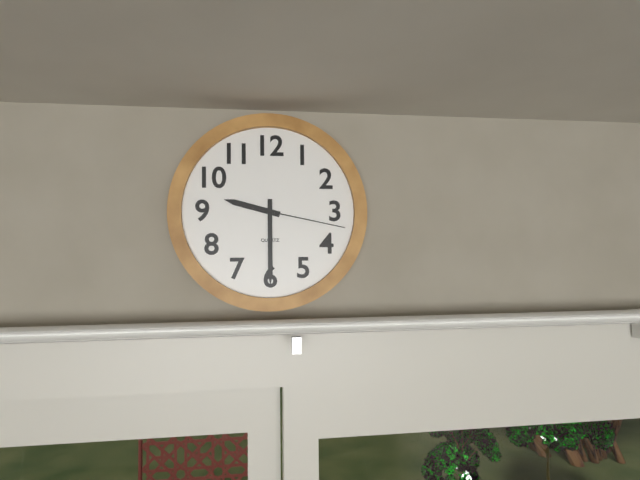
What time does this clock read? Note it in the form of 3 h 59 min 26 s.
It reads 9 h 30 min 17 s
